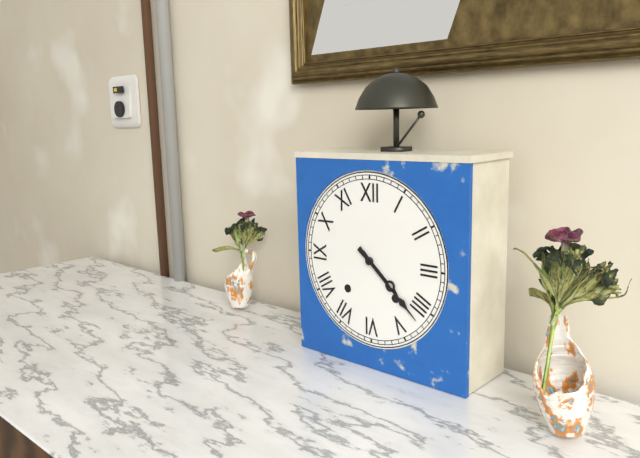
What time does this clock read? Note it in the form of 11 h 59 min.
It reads 4 h 22 min
